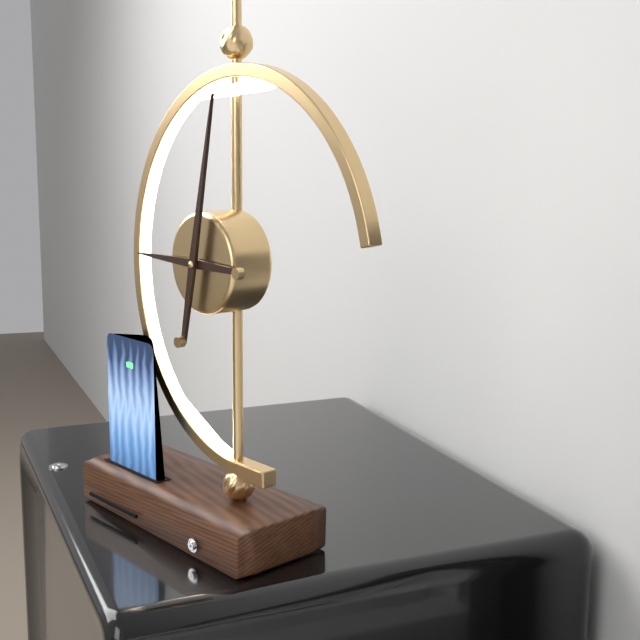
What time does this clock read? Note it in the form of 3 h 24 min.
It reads 9 h 02 min
